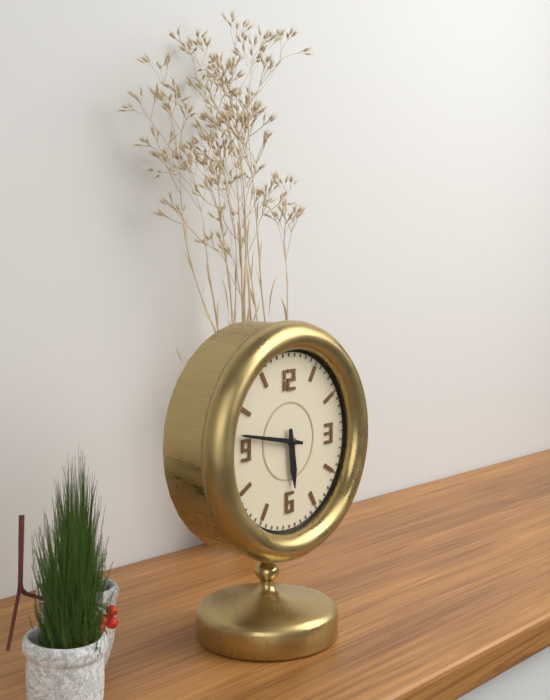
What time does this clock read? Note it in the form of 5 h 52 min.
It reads 5 h 47 min
